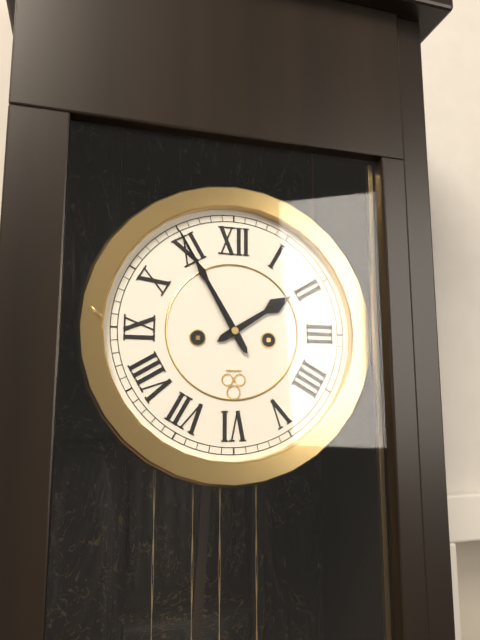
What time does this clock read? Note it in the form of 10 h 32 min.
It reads 1 h 55 min
